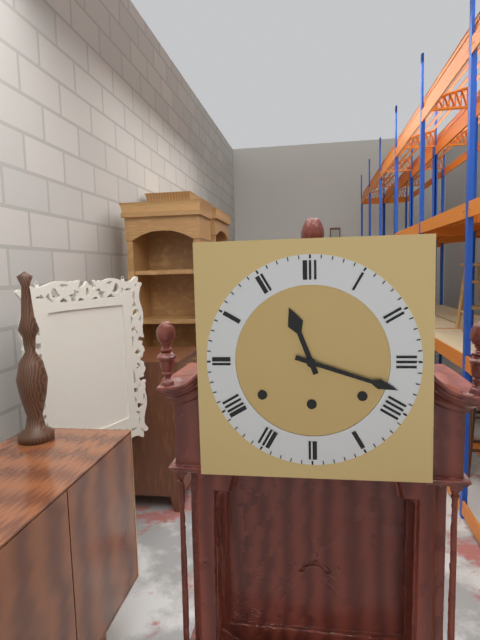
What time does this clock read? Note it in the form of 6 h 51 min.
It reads 11 h 18 min
